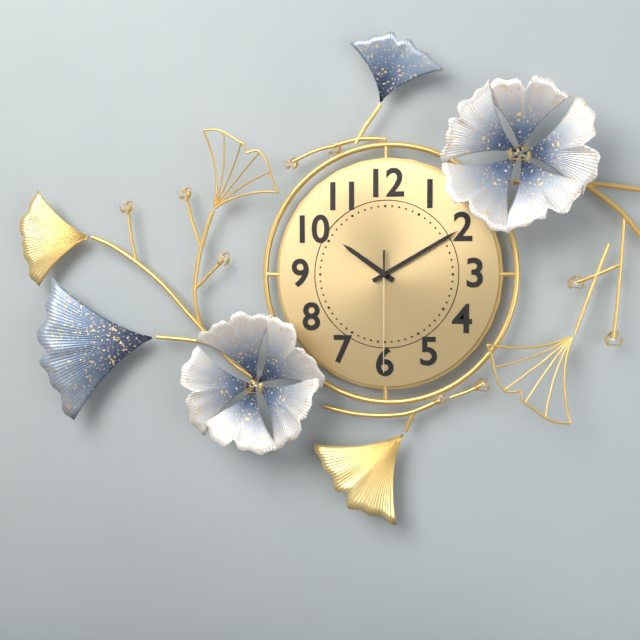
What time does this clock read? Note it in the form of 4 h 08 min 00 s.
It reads 10 h 10 min 30 s
